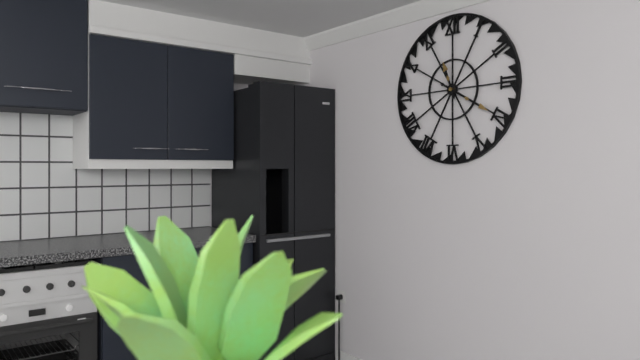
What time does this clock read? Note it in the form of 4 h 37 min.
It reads 11 h 20 min
